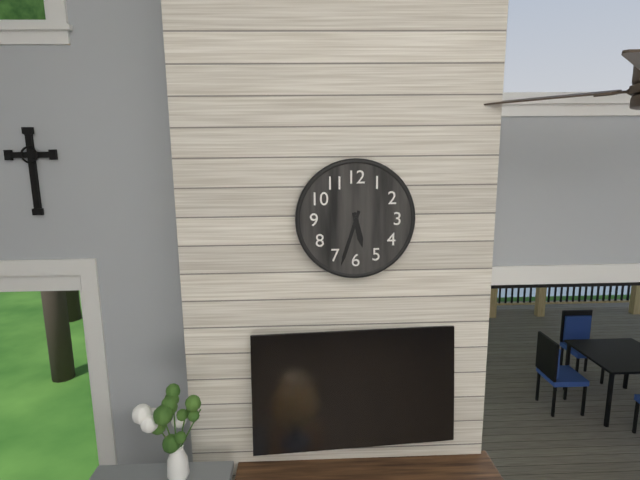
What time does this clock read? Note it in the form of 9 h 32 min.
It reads 5 h 33 min
